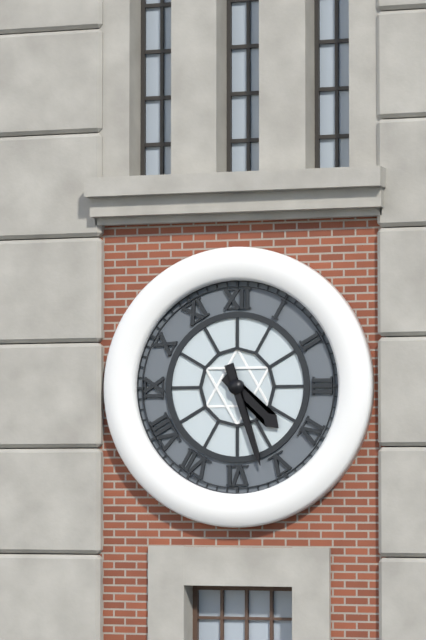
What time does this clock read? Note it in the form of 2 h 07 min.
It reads 4 h 27 min
